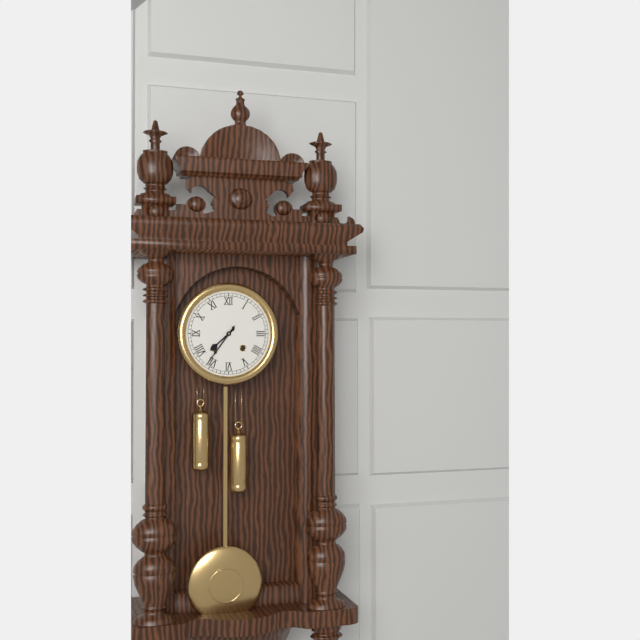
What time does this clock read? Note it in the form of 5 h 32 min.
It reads 7 h 36 min
